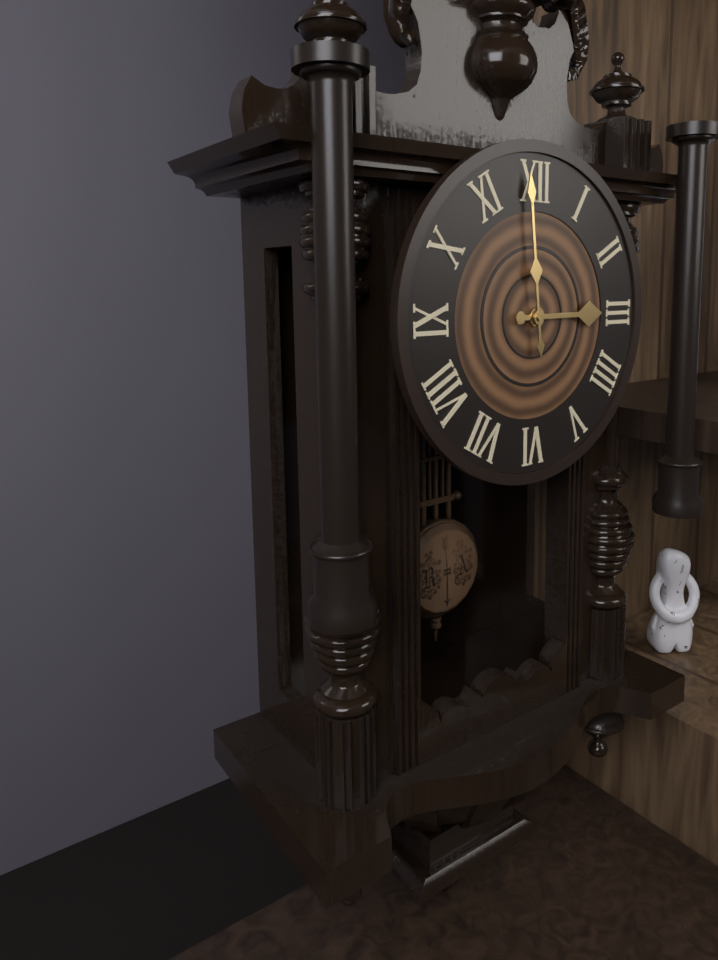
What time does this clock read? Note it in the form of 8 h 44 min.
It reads 2 h 59 min
